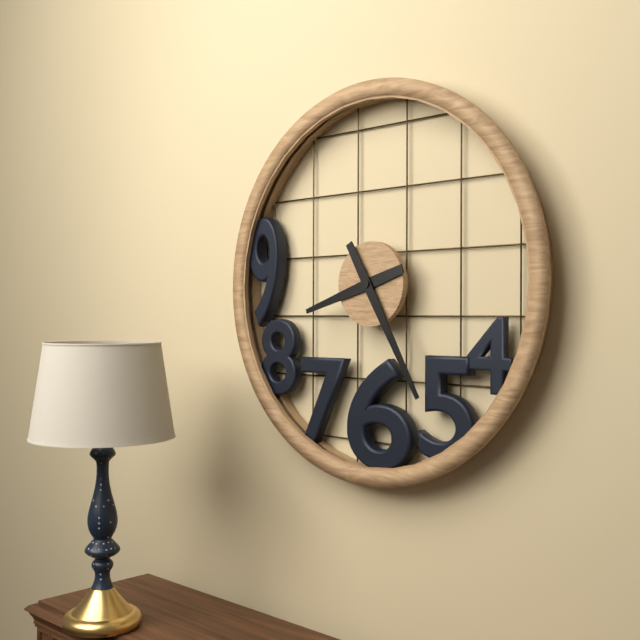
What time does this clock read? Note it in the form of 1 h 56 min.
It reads 8 h 25 min
